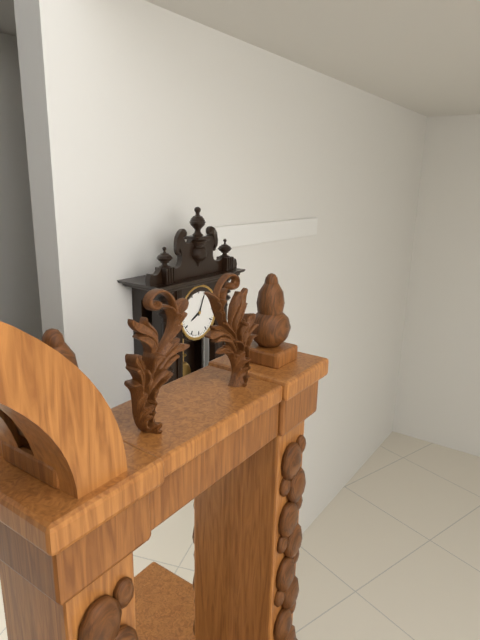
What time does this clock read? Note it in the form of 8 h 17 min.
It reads 8 h 04 min
